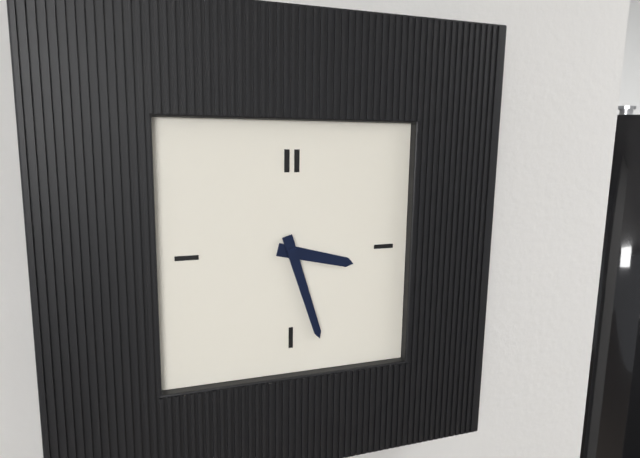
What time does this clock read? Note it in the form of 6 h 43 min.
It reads 3 h 27 min
